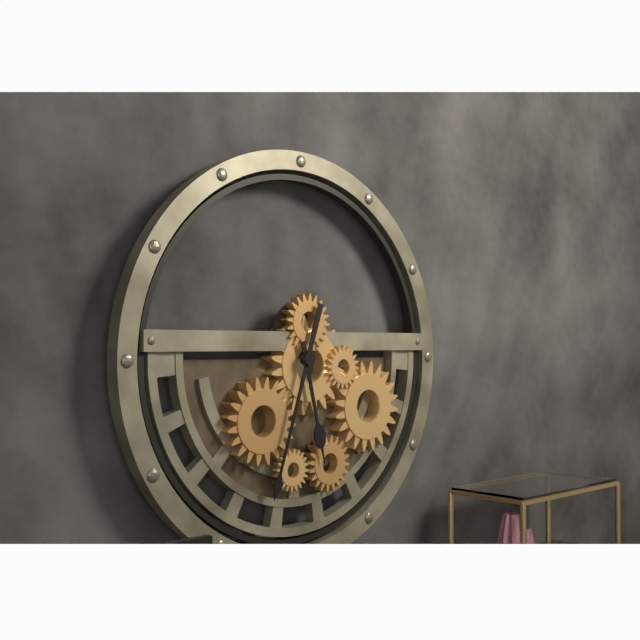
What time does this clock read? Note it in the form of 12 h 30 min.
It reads 5 h 33 min
